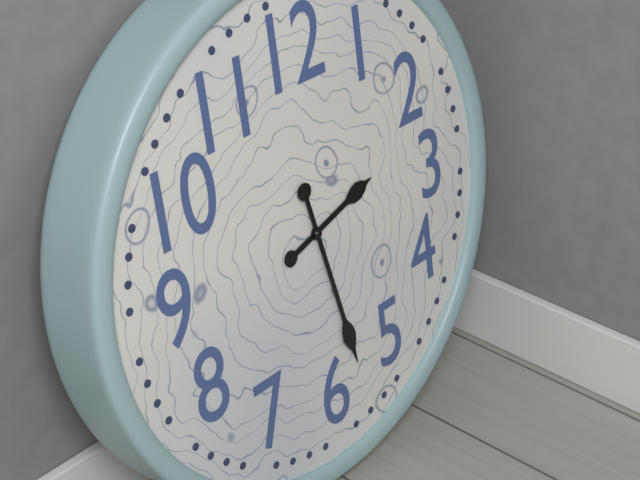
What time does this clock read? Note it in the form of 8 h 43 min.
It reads 2 h 28 min
